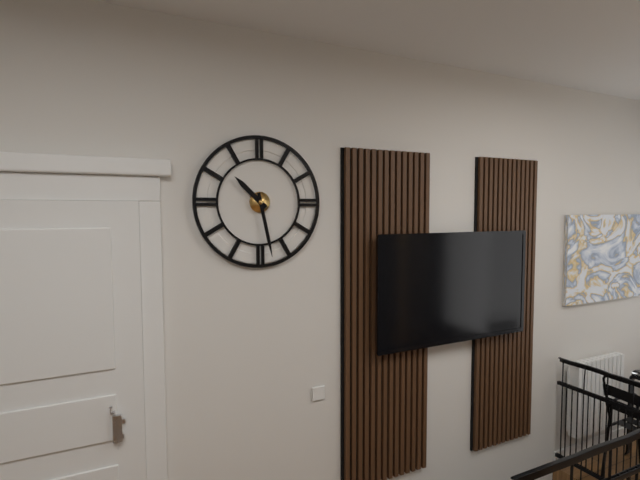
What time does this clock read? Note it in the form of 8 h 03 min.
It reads 10 h 28 min
